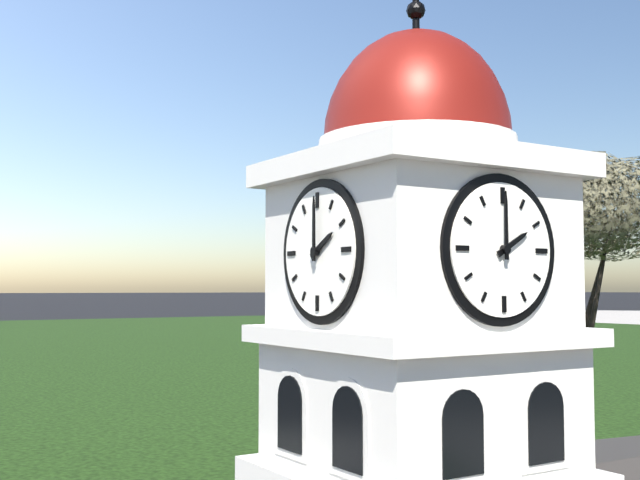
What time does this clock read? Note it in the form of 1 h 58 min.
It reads 2 h 00 min
